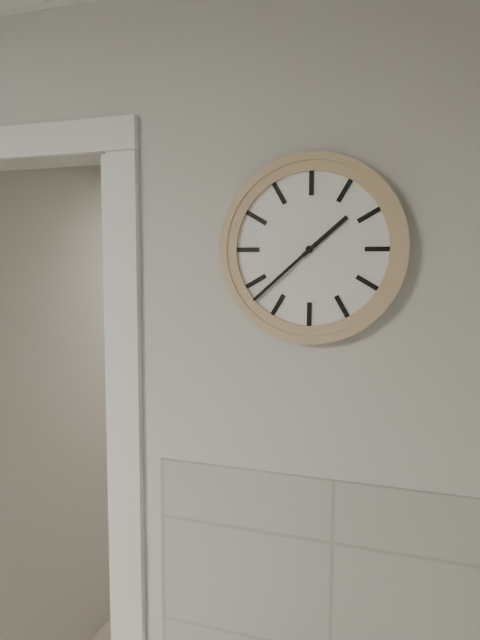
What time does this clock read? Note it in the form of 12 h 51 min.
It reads 1 h 38 min
